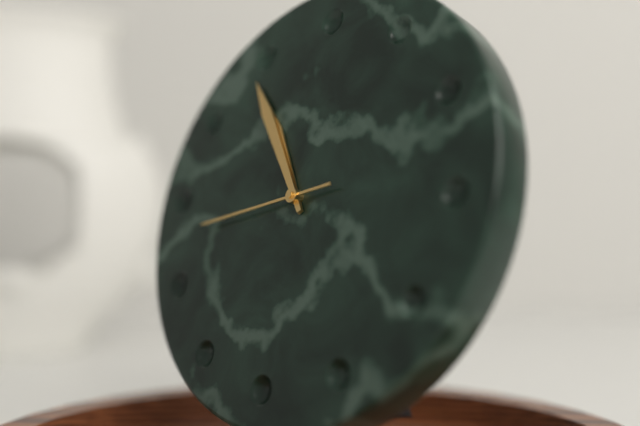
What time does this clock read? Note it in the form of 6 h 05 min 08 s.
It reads 10 h 54 min 43 s
